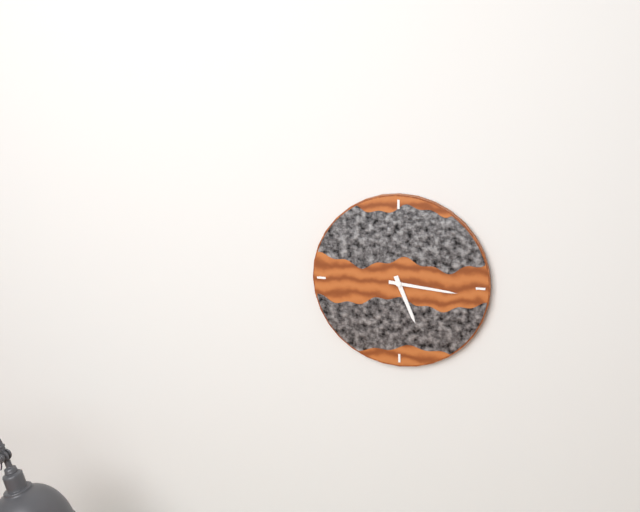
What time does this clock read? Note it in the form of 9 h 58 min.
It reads 5 h 16 min
